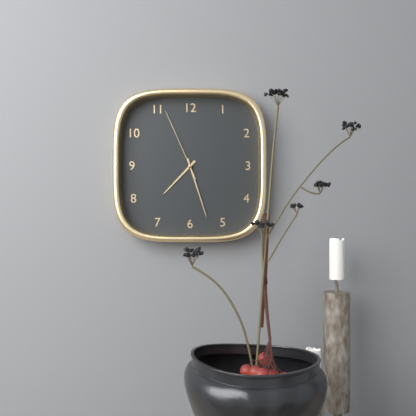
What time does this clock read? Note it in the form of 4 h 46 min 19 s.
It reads 7 h 27 min 56 s
